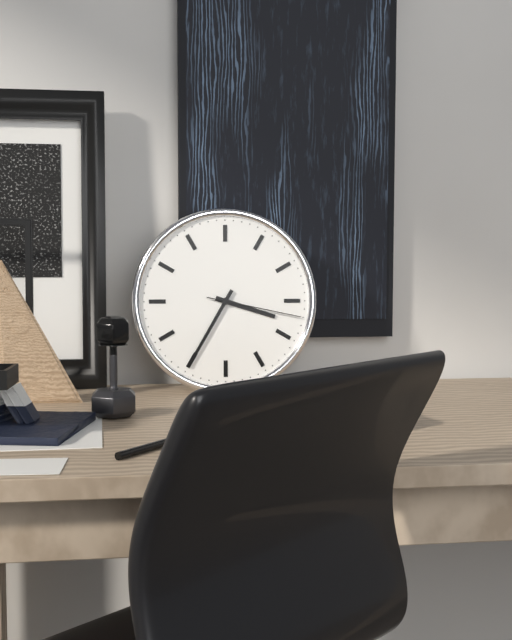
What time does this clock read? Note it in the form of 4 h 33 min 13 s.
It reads 3 h 35 min 17 s
